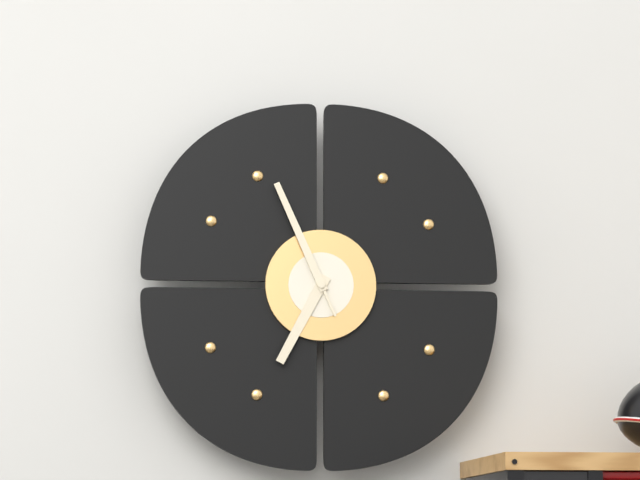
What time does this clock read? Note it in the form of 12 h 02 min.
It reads 6 h 56 min
